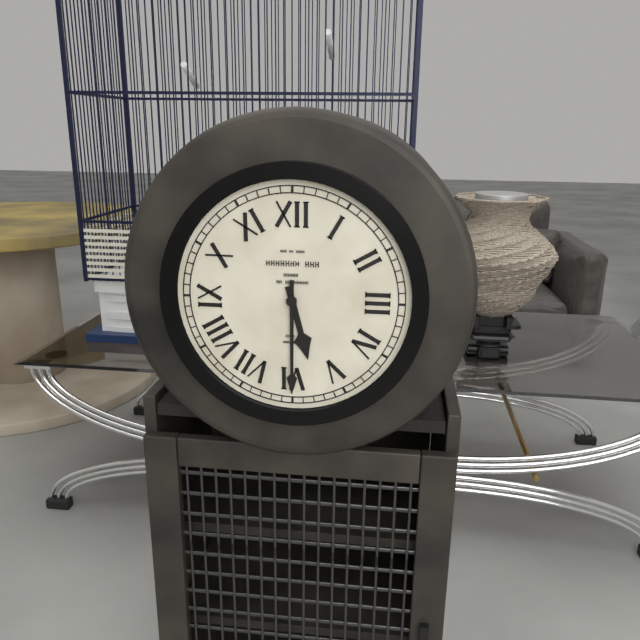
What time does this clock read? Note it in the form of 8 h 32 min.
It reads 5 h 30 min
